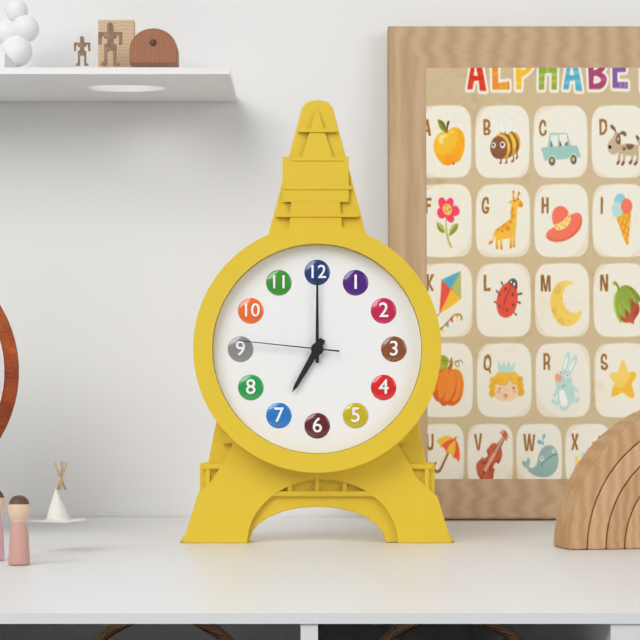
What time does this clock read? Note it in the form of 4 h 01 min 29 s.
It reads 7 h 00 min 46 s
